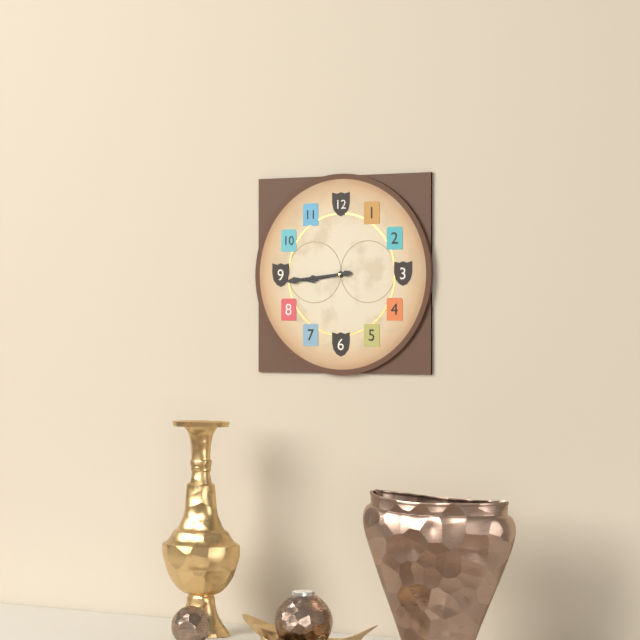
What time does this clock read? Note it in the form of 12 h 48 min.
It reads 8 h 44 min
